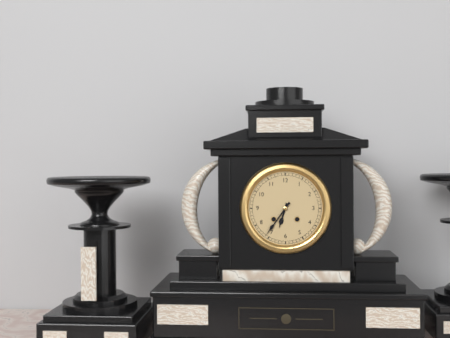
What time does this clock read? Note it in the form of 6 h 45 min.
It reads 6 h 36 min
